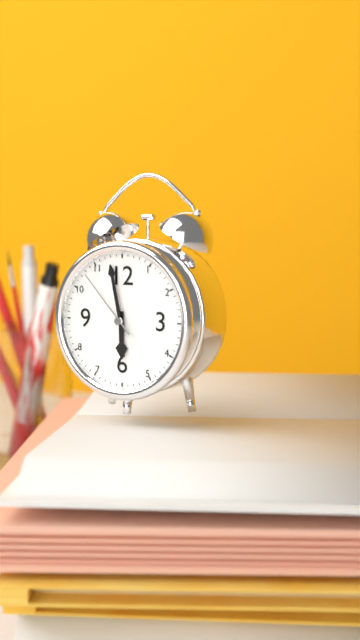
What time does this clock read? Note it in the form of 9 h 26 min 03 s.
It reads 5 h 58 min 53 s
